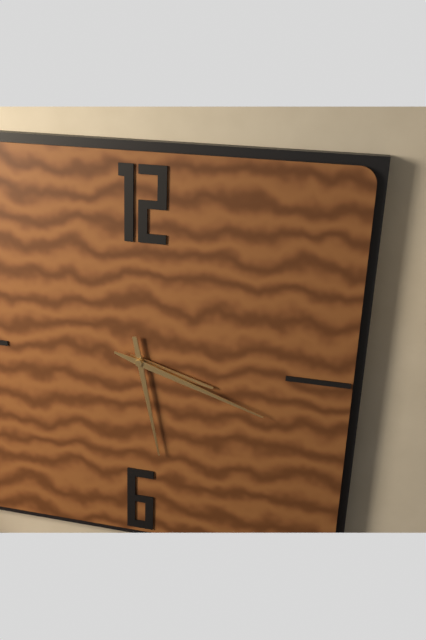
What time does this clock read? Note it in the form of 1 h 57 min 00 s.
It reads 3 h 28 min 18 s
